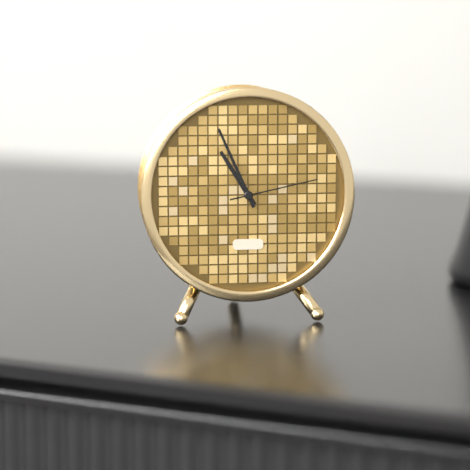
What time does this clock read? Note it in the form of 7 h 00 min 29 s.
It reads 10 h 56 min 13 s
